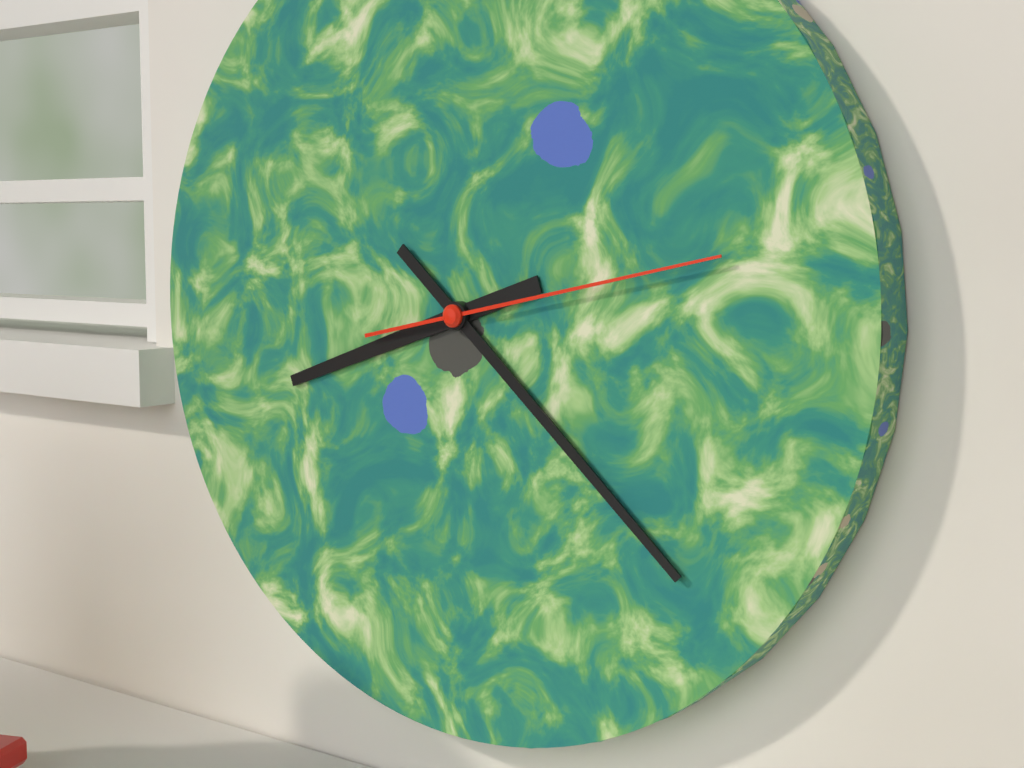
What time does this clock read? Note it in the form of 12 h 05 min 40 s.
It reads 8 h 22 min 13 s
